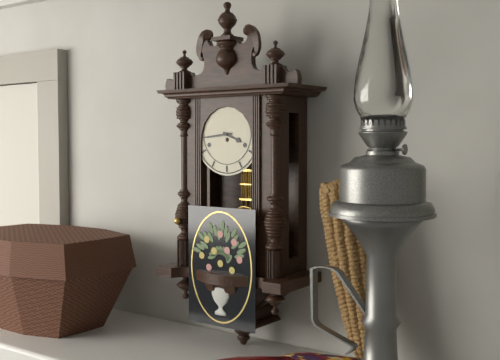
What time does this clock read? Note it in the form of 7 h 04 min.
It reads 3 h 44 min
